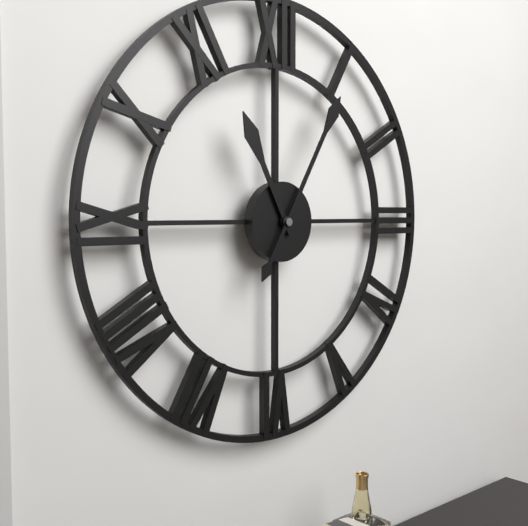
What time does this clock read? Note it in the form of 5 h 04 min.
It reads 11 h 05 min
